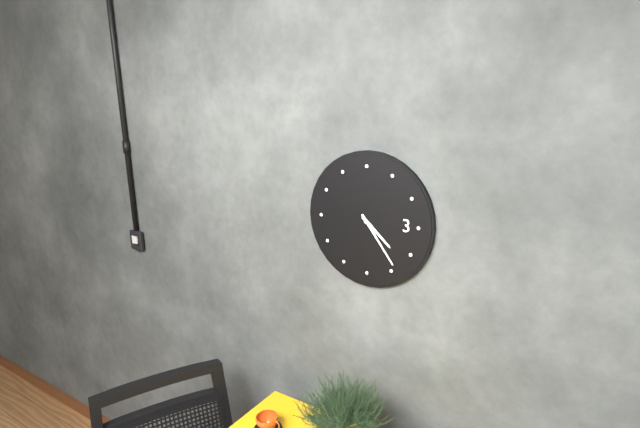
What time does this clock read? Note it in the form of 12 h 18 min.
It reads 4 h 24 min
